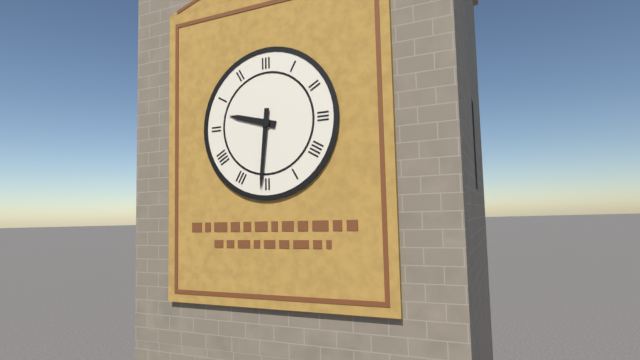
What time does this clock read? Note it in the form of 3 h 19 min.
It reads 9 h 31 min
